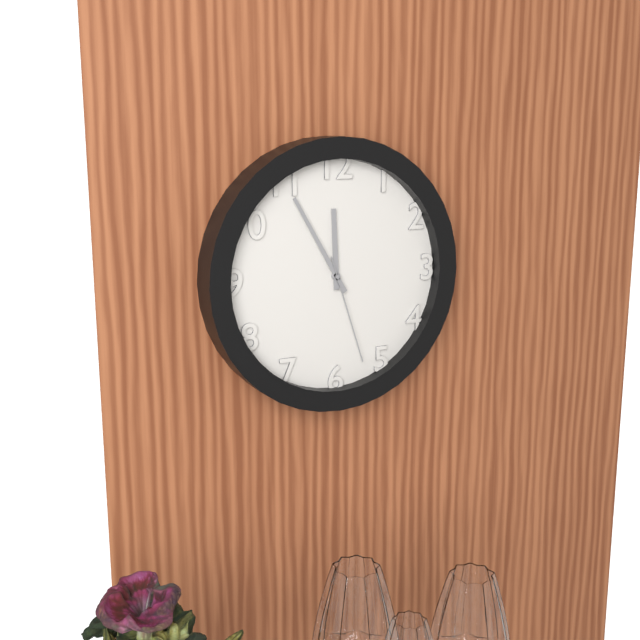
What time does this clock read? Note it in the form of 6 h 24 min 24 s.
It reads 11 h 55 min 27 s
